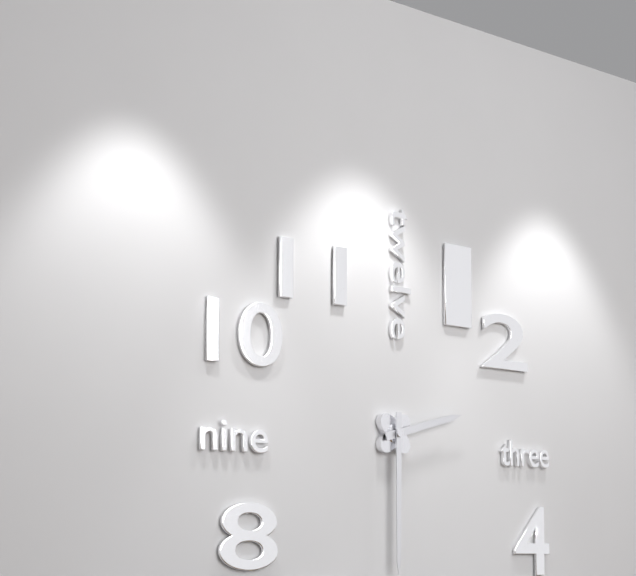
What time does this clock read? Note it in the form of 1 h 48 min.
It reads 2 h 30 min
